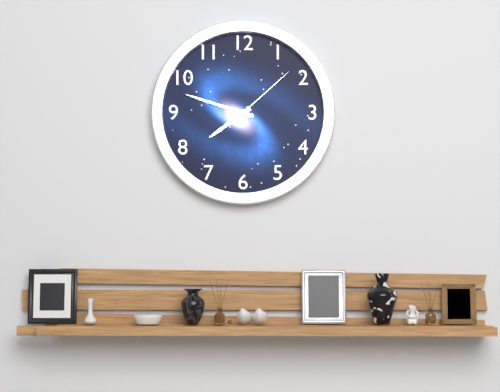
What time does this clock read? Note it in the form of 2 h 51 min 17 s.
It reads 7 h 48 min 08 s
